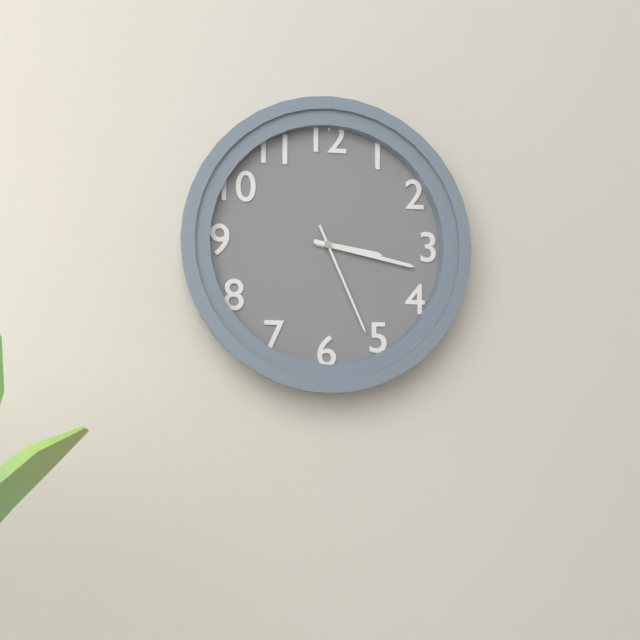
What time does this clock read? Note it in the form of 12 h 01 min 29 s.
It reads 3 h 17 min 26 s
